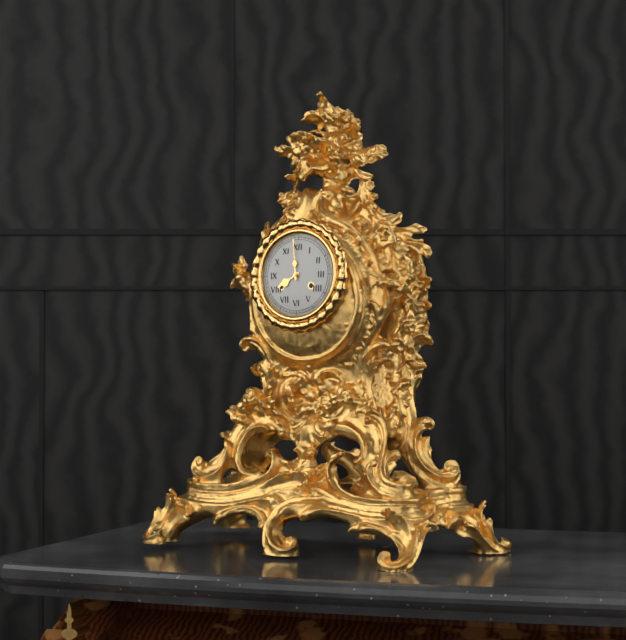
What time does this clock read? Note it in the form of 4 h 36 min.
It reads 7 h 59 min
